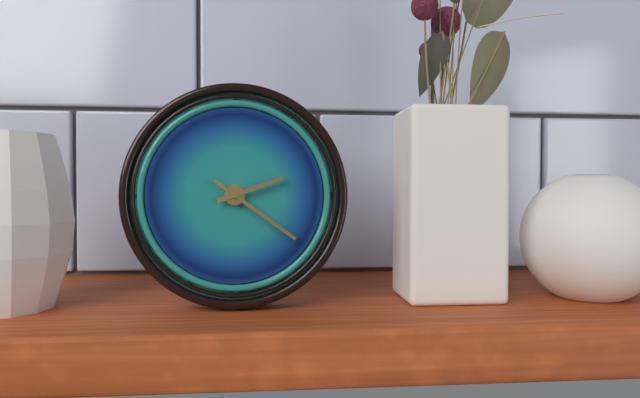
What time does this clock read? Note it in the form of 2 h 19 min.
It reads 2 h 21 min
